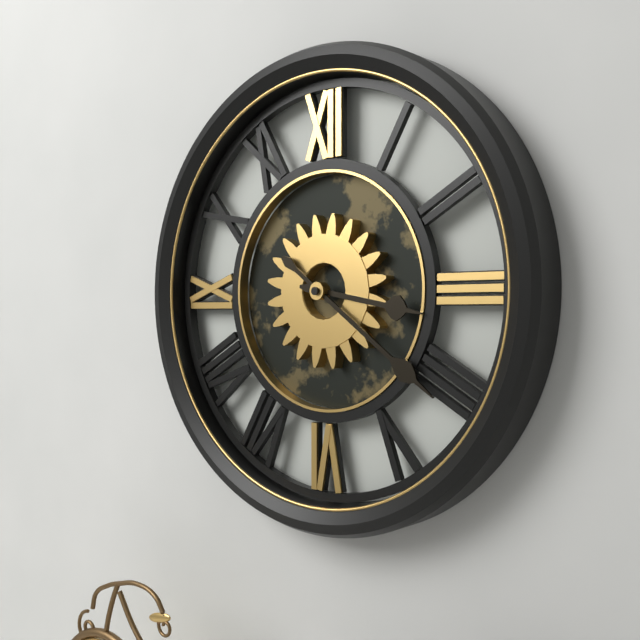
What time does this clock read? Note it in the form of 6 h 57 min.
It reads 3 h 21 min
